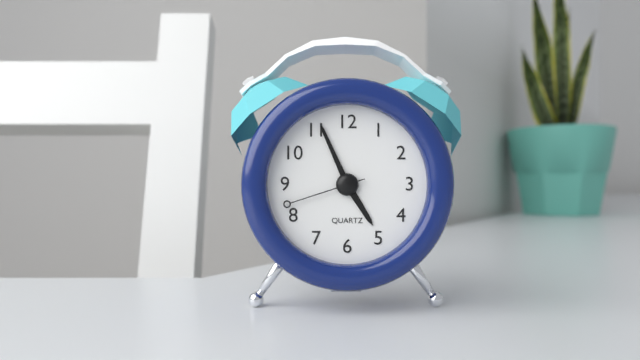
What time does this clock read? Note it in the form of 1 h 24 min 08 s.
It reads 4 h 56 min 42 s
